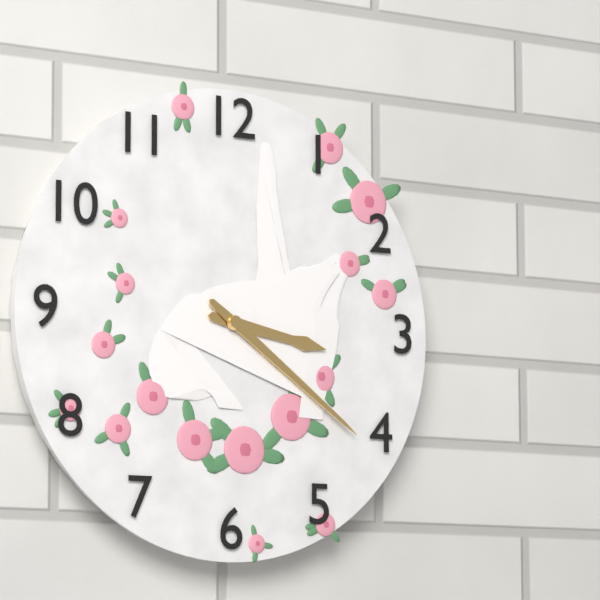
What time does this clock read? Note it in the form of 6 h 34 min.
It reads 3 h 21 min
